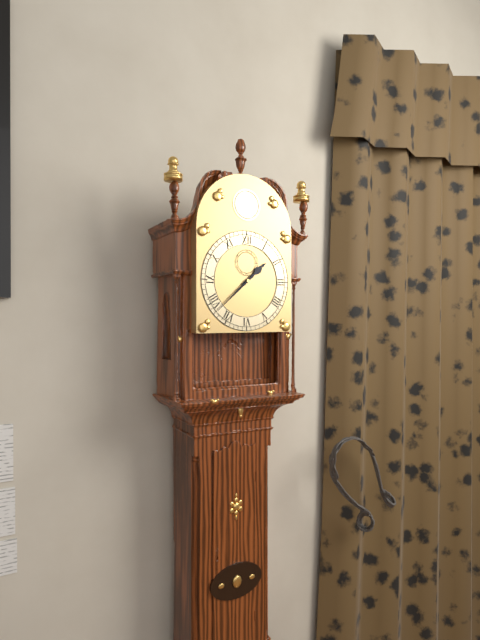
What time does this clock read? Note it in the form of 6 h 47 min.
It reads 1 h 38 min
